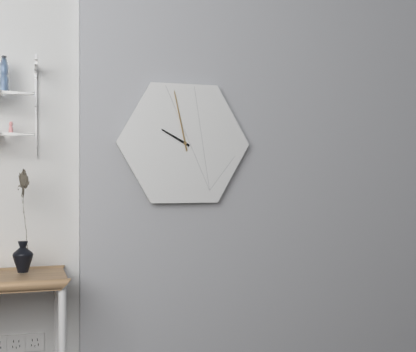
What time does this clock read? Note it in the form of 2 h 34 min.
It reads 9 h 58 min
